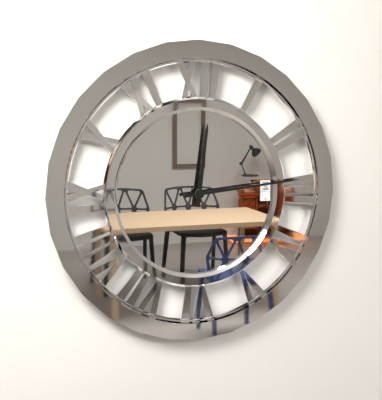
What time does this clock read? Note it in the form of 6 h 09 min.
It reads 12 h 14 min
